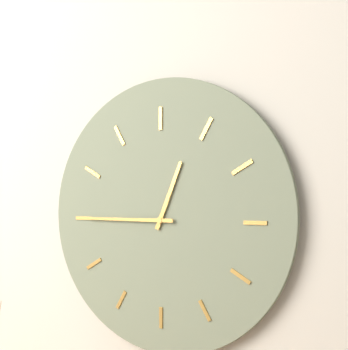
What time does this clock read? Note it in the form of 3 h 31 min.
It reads 12 h 45 min
